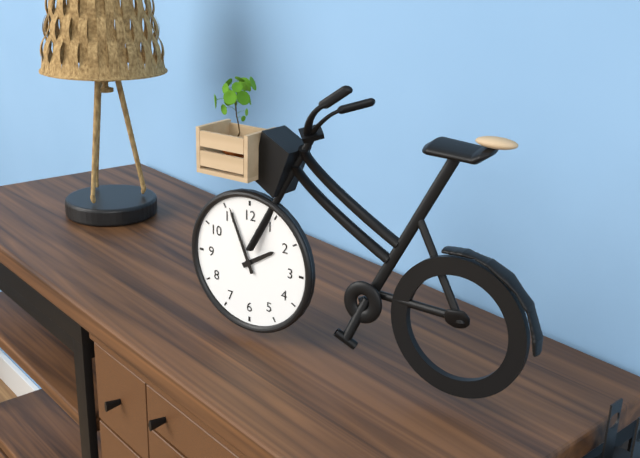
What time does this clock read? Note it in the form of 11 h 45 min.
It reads 1 h 56 min
